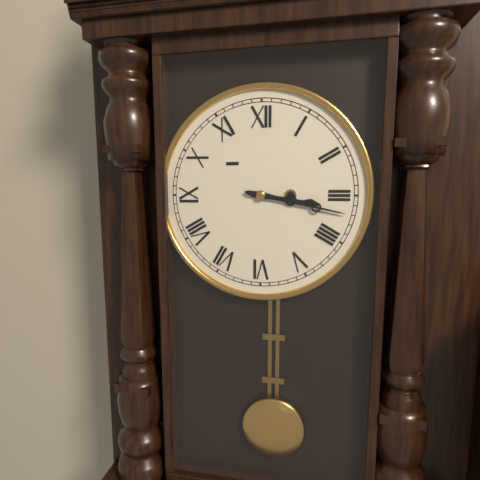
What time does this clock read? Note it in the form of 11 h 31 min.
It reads 3 h 17 min
